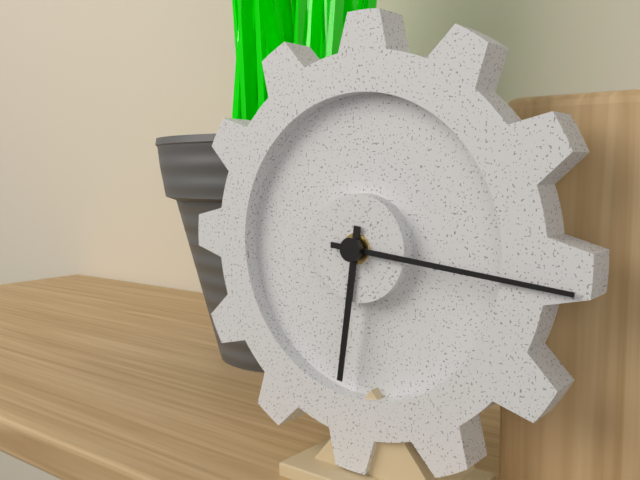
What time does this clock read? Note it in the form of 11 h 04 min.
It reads 6 h 16 min
